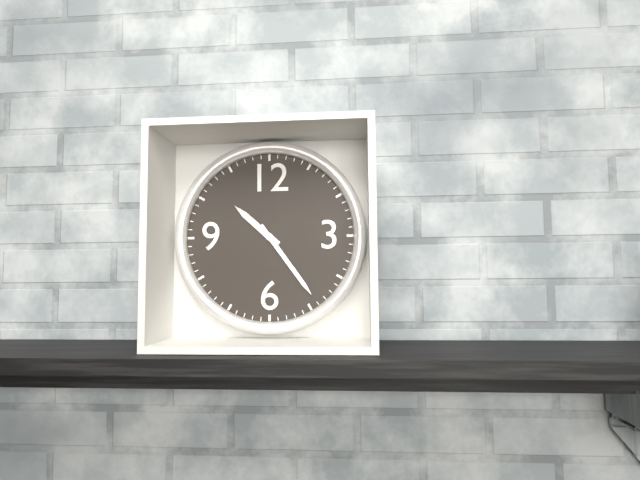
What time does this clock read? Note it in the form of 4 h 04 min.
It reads 10 h 24 min
